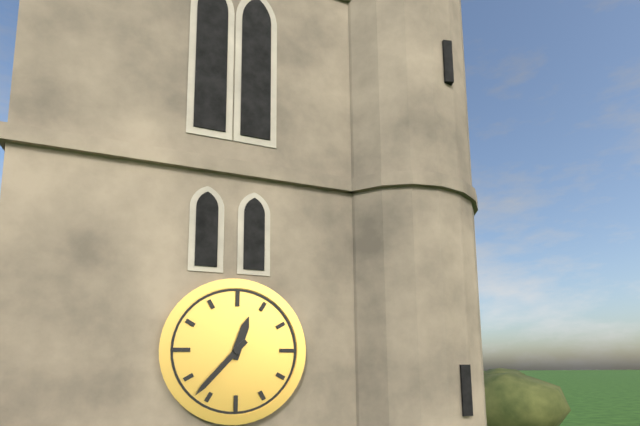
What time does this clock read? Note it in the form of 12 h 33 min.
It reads 12 h 37 min
